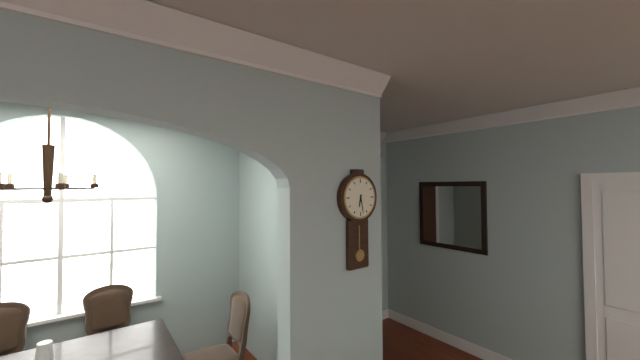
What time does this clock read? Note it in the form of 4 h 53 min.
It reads 6 h 28 min
